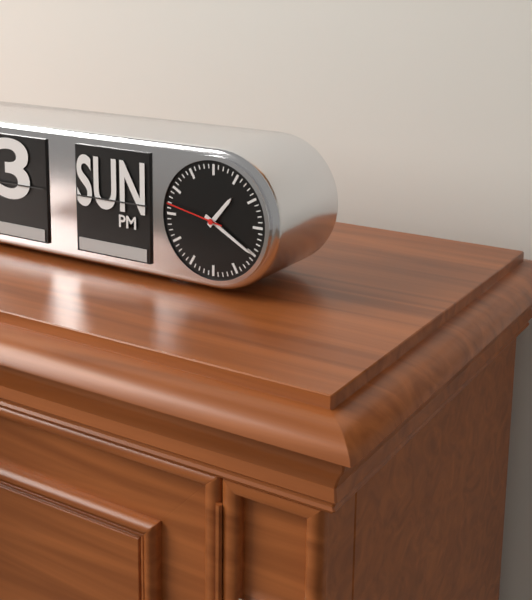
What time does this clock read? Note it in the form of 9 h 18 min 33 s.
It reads 1 h 20 min 47 s
